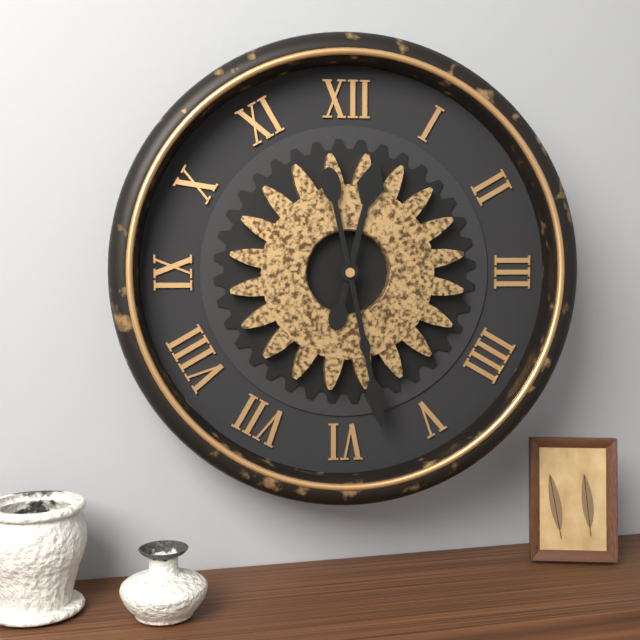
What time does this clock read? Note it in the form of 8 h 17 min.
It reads 12 h 28 min
